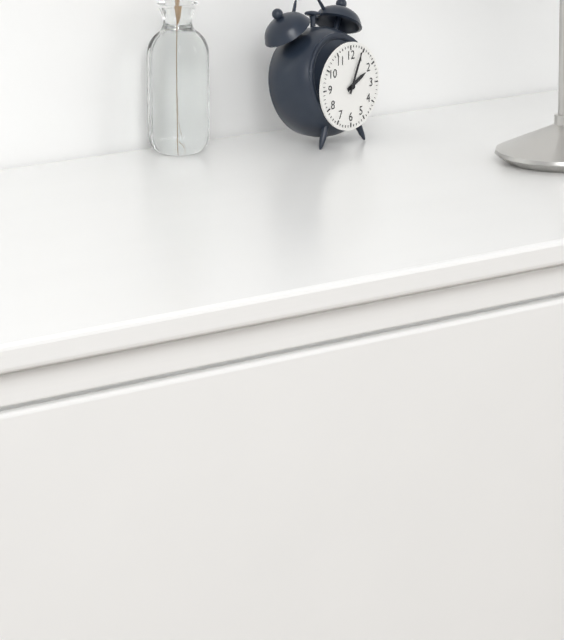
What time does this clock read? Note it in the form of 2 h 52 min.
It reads 2 h 04 min
